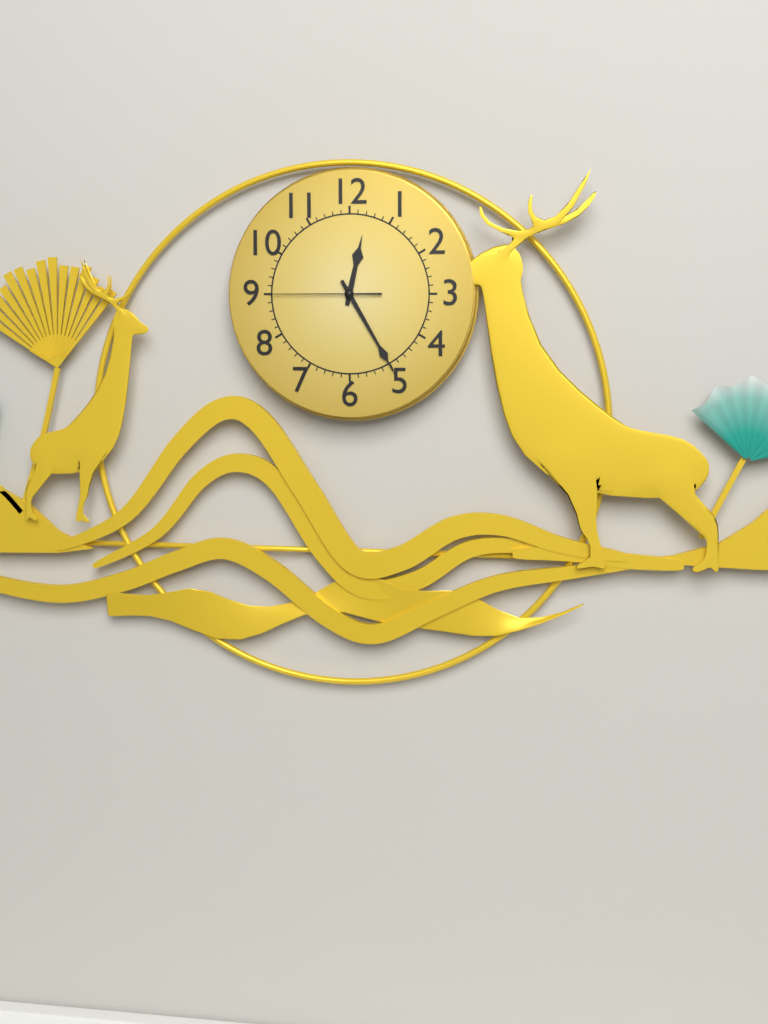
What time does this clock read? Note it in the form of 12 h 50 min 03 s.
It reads 12 h 25 min 45 s
